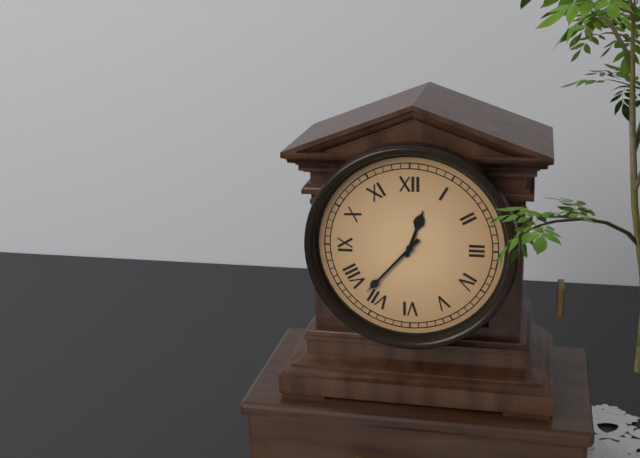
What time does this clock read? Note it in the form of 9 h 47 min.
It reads 12 h 37 min
